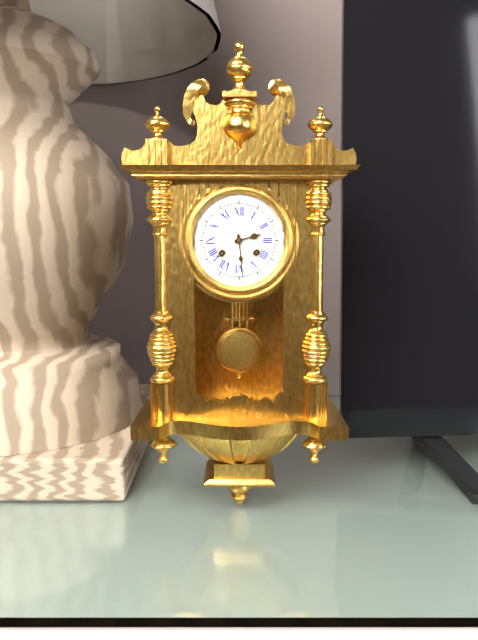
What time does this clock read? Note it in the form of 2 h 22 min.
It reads 2 h 29 min
